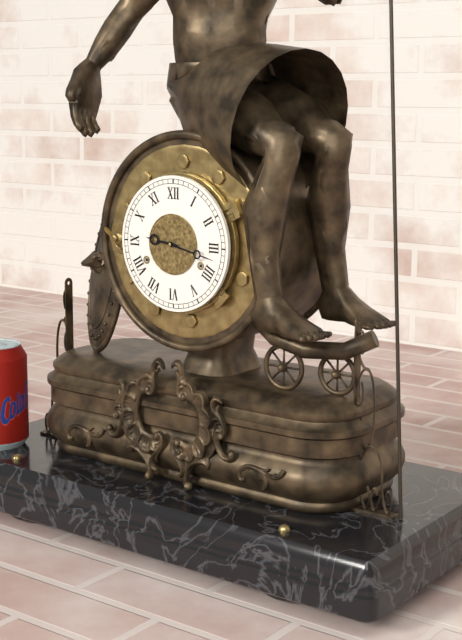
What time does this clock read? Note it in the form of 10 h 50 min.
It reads 9 h 17 min
